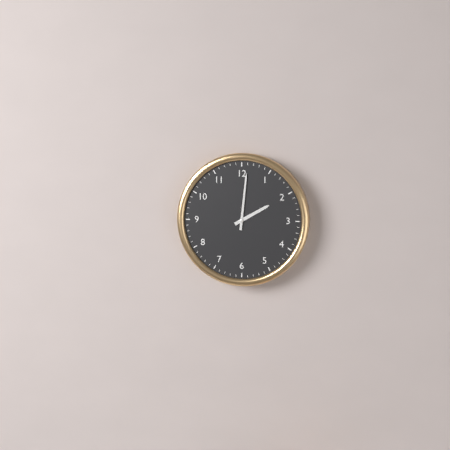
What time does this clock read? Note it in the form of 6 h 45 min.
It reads 2 h 01 min
